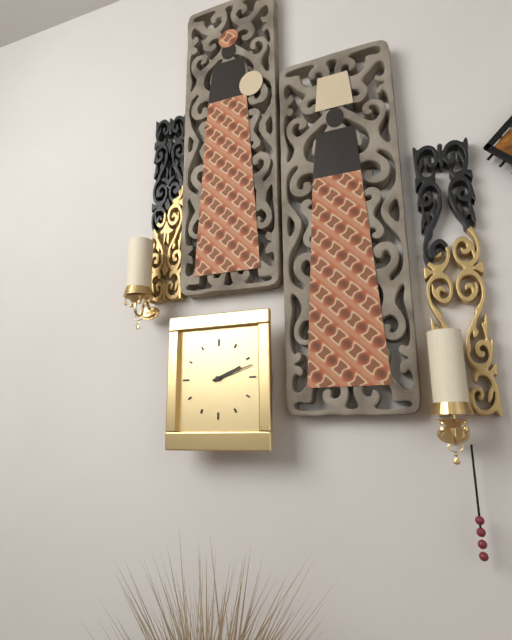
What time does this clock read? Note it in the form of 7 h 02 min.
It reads 2 h 12 min
